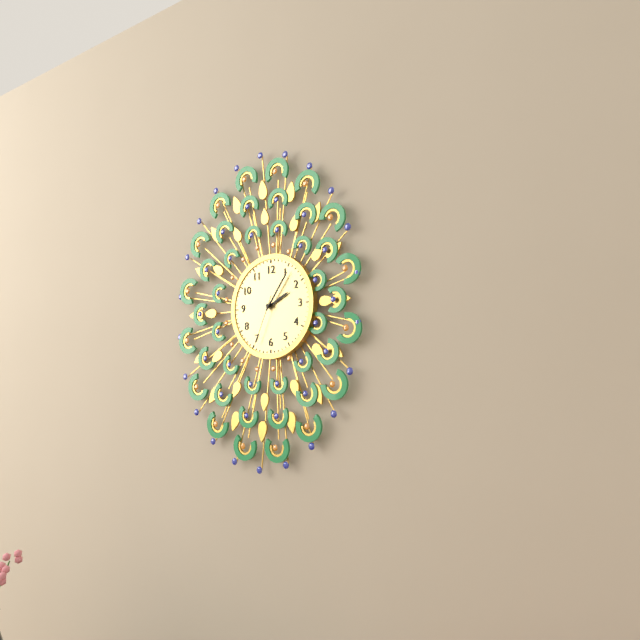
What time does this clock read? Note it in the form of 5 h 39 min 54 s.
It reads 2 h 06 min 34 s
